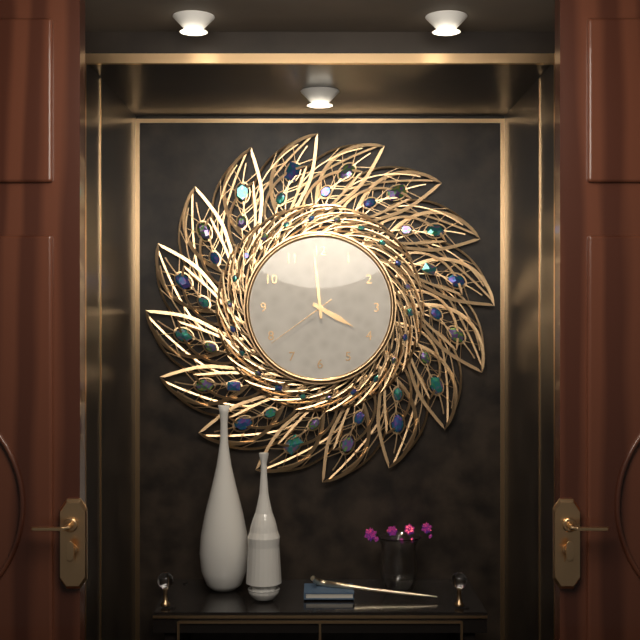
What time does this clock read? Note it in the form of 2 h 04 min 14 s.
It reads 3 h 59 min 39 s
